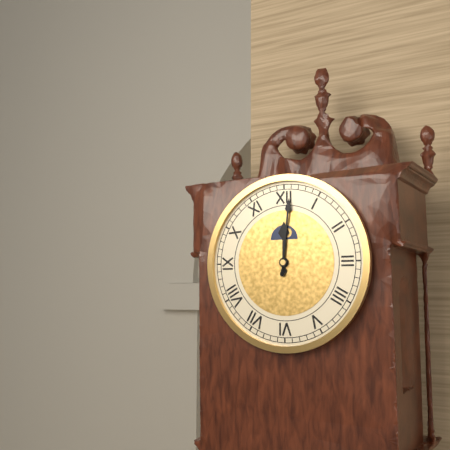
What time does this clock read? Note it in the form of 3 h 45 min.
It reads 12 h 01 min
